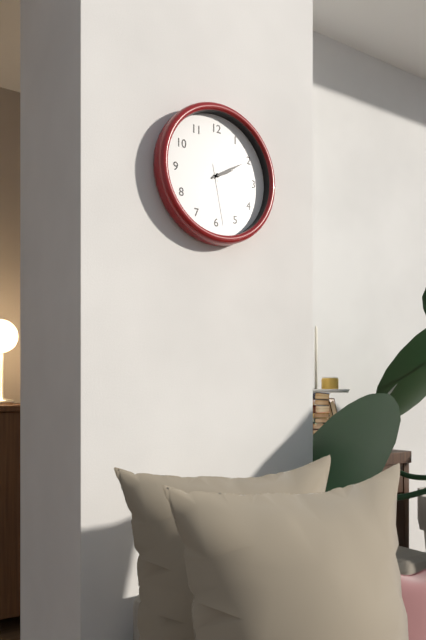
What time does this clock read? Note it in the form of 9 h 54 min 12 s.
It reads 2 h 10 min 28 s
